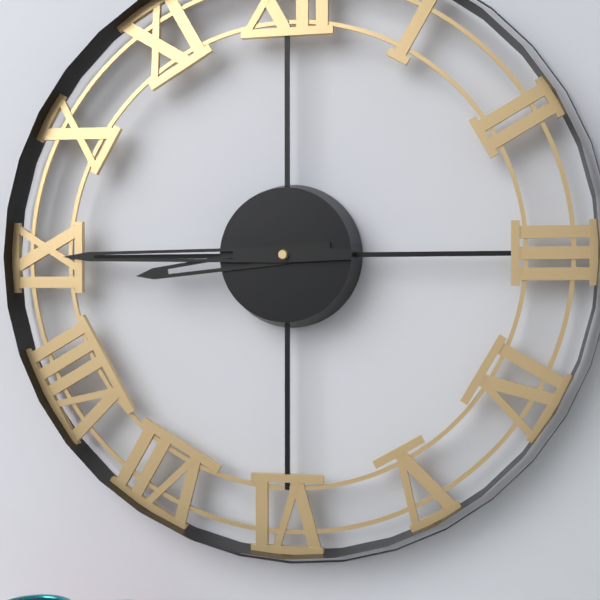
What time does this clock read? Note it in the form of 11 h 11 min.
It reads 8 h 45 min
